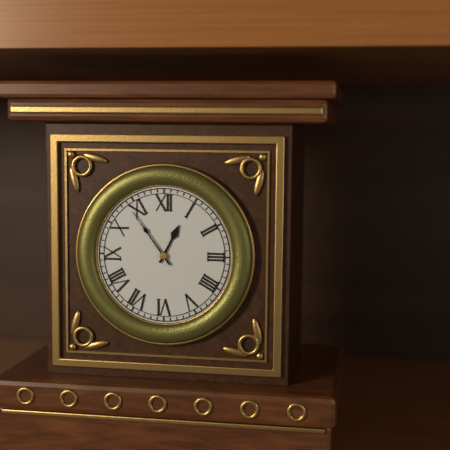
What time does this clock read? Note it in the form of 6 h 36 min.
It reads 12 h 54 min
